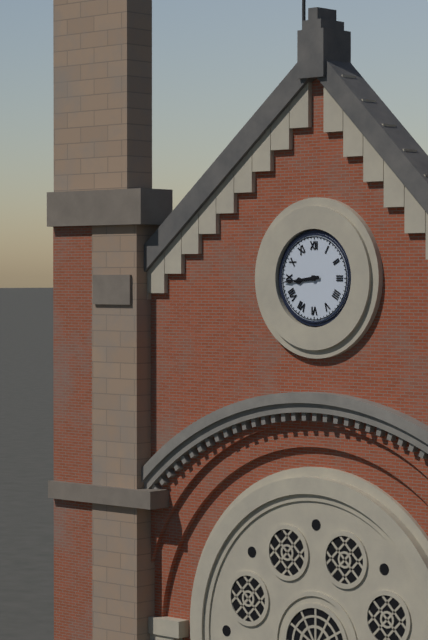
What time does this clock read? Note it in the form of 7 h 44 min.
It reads 8 h 44 min
